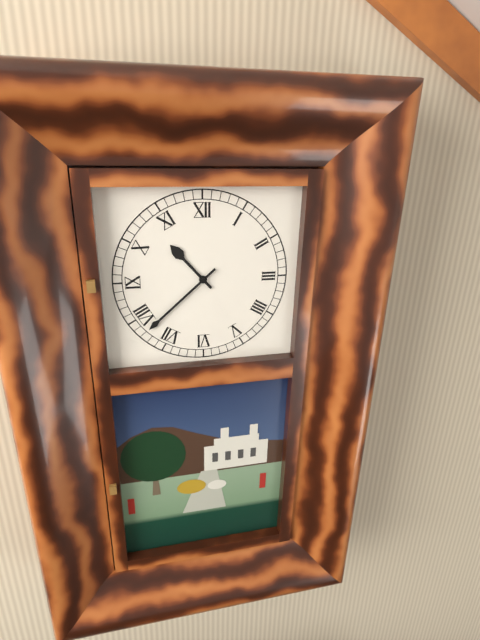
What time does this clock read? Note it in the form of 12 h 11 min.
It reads 10 h 38 min
